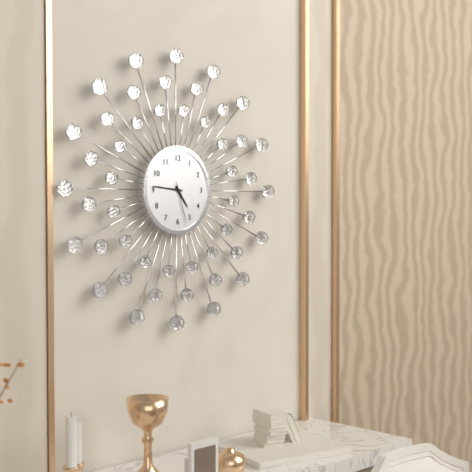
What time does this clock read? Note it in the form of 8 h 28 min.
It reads 4 h 46 min
